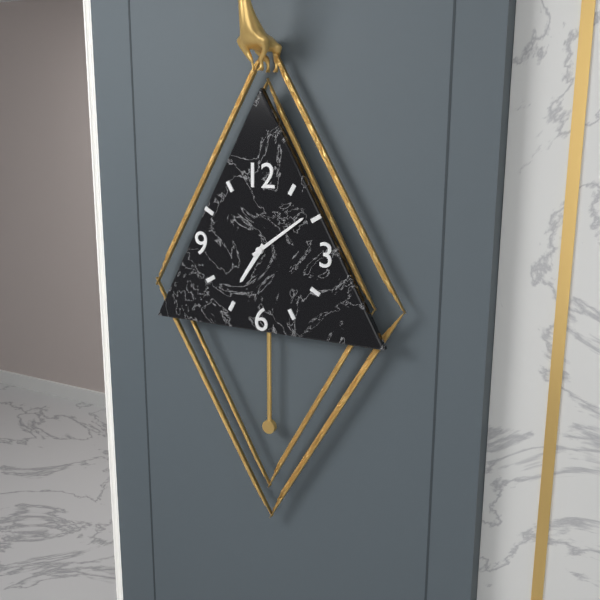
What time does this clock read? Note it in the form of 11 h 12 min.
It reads 7 h 09 min
